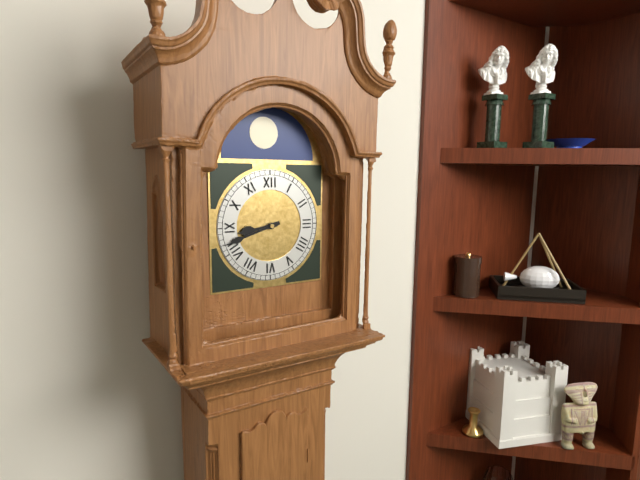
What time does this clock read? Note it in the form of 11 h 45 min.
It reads 8 h 42 min
